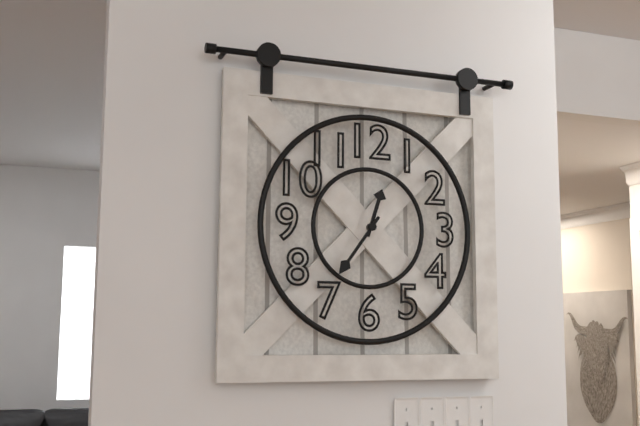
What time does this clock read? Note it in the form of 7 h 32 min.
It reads 12 h 36 min
